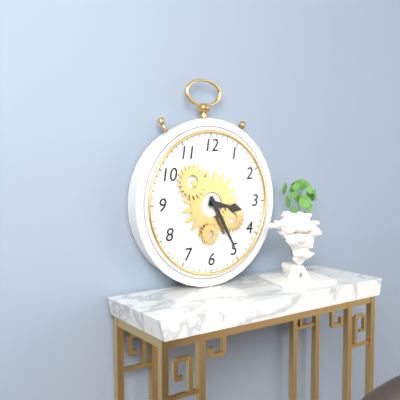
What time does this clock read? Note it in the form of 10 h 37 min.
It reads 3 h 25 min
